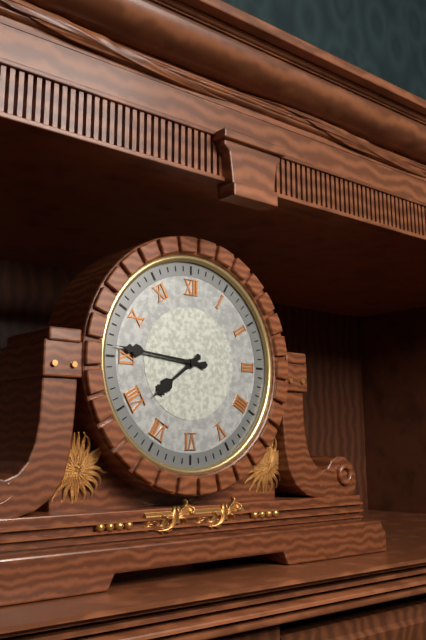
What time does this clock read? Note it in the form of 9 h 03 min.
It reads 7 h 46 min
